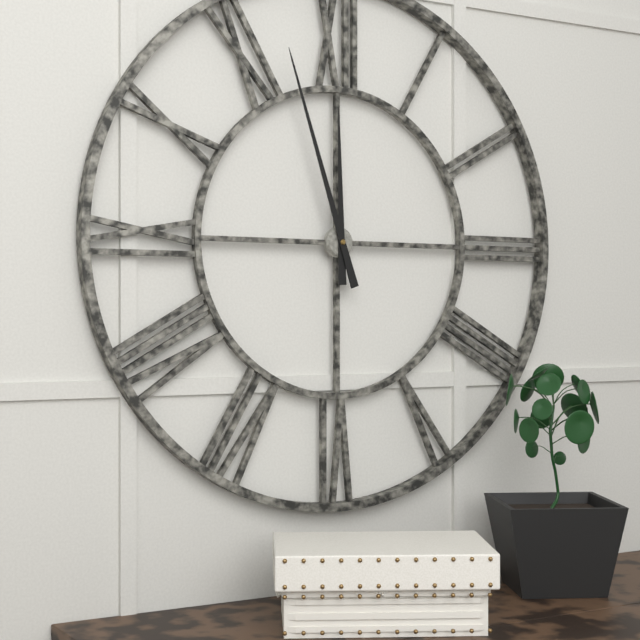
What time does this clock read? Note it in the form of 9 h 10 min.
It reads 11 h 57 min
